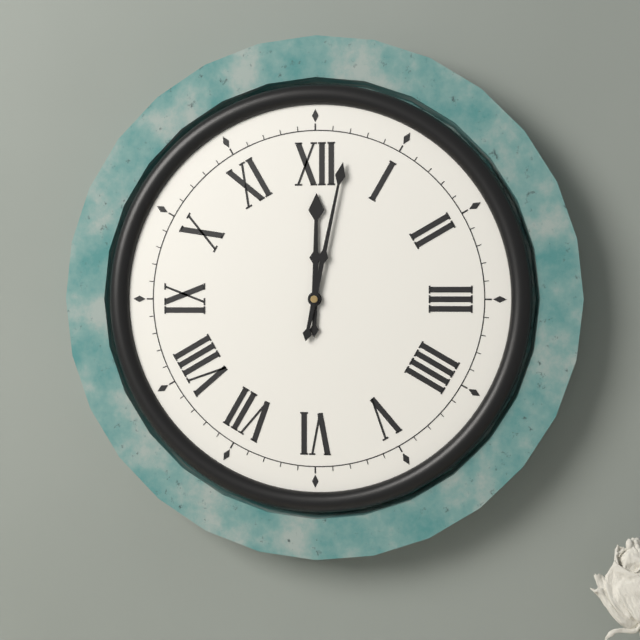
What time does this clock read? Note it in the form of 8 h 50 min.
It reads 12 h 02 min
